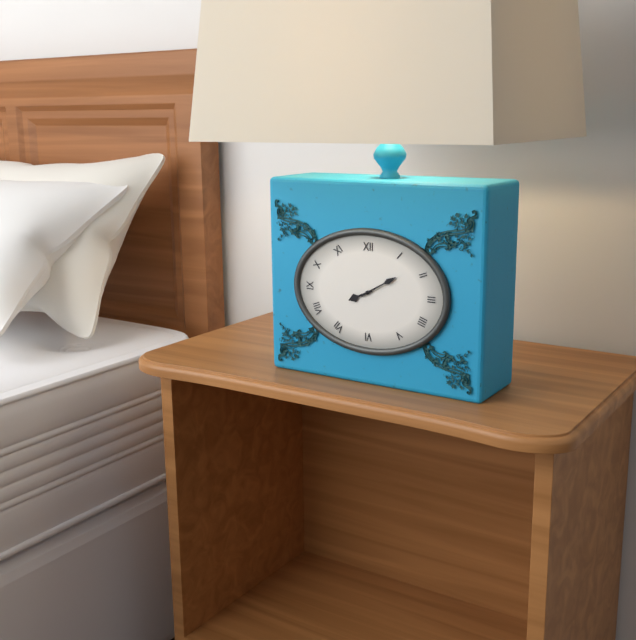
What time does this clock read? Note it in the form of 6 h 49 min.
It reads 8 h 10 min
